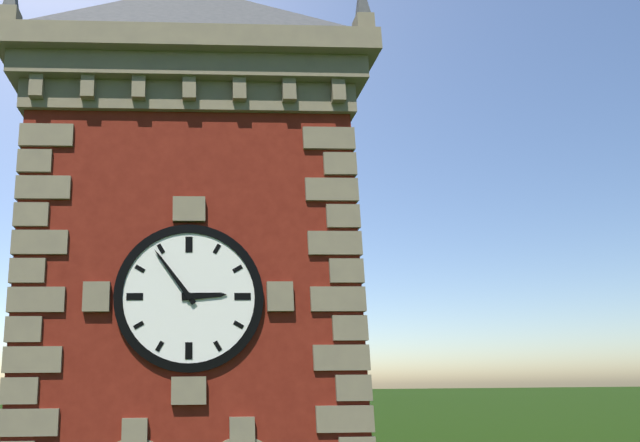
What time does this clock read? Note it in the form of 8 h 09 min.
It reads 2 h 54 min
